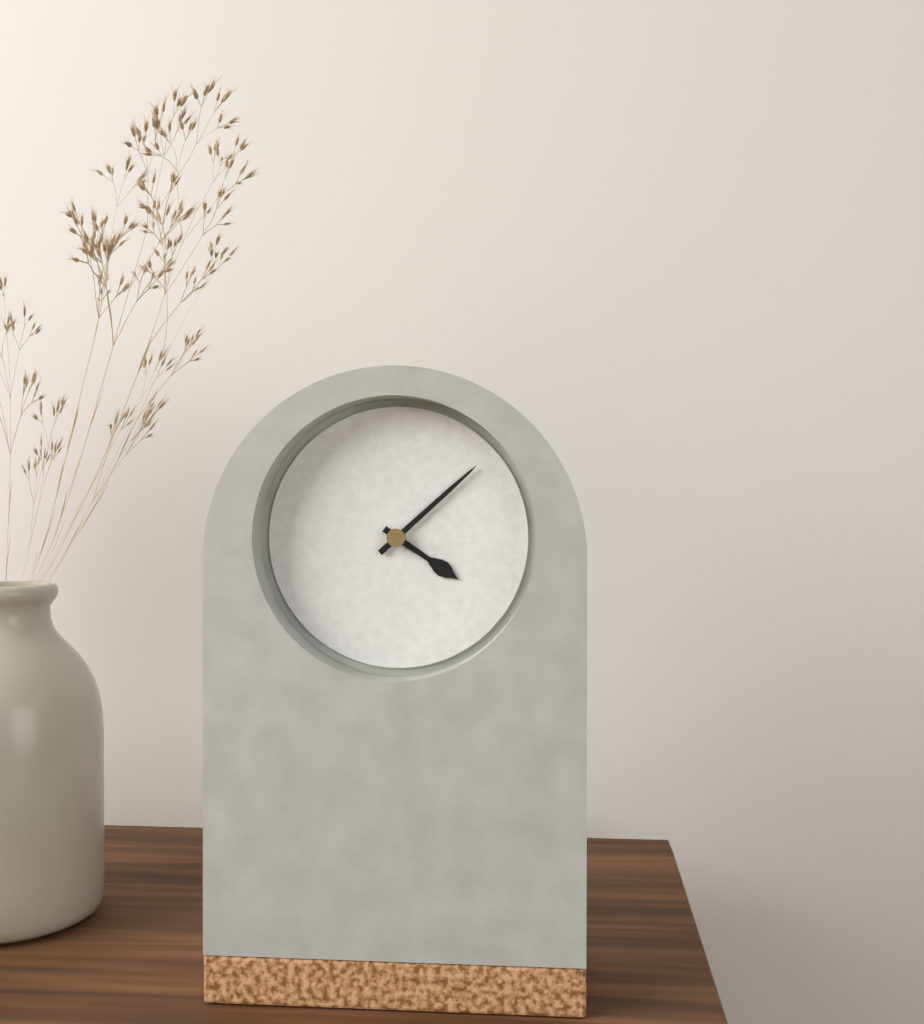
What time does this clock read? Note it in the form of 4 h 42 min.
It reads 4 h 08 min
